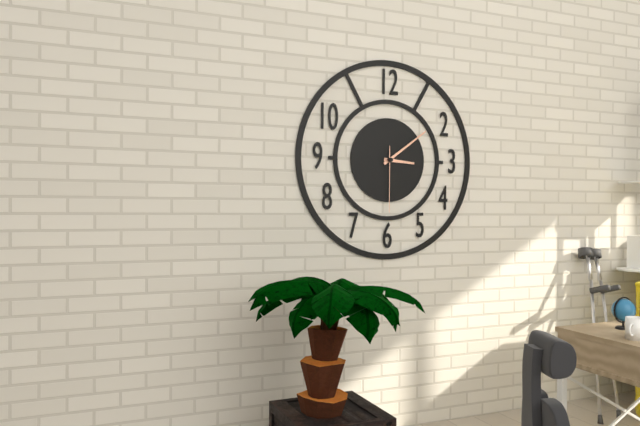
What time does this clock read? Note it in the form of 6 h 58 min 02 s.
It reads 3 h 09 min 30 s
